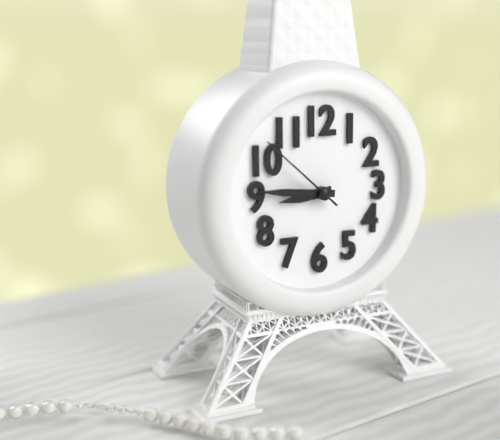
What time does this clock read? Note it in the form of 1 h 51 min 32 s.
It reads 8 h 46 min 52 s
